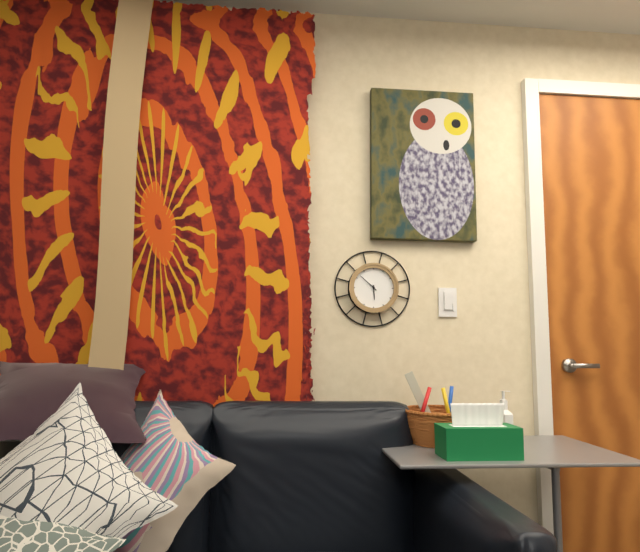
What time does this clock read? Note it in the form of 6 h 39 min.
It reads 5 h 52 min
